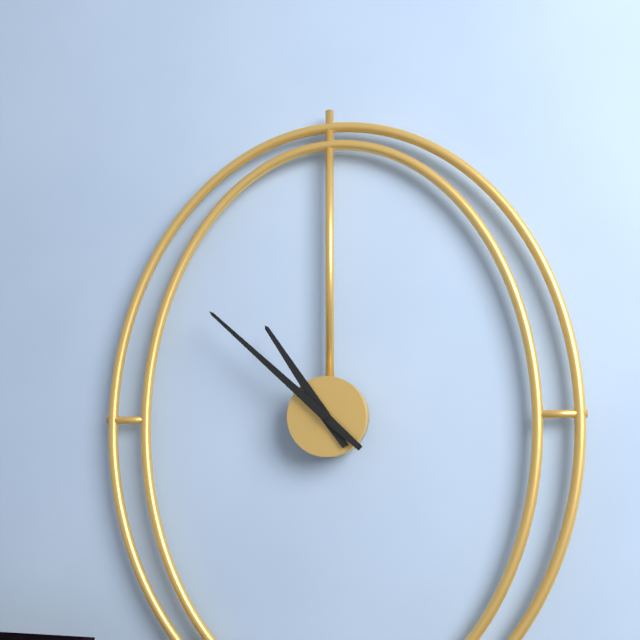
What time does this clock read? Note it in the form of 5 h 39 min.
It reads 10 h 52 min
